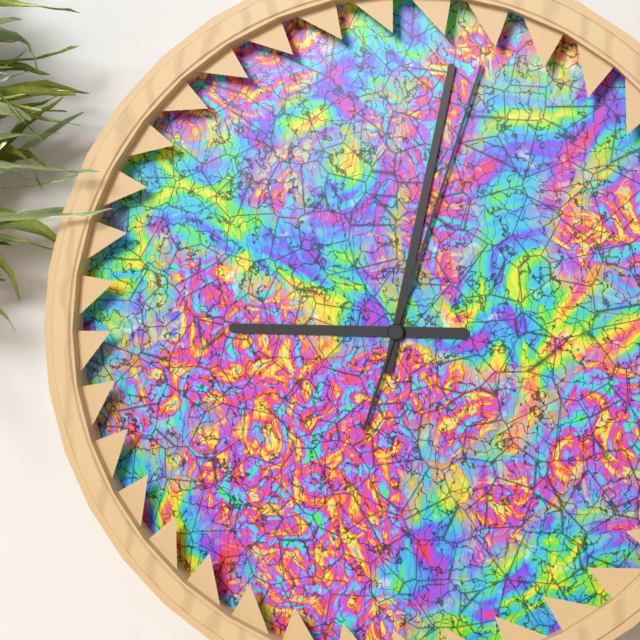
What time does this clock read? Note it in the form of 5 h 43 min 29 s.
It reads 9 h 02 min 03 s
